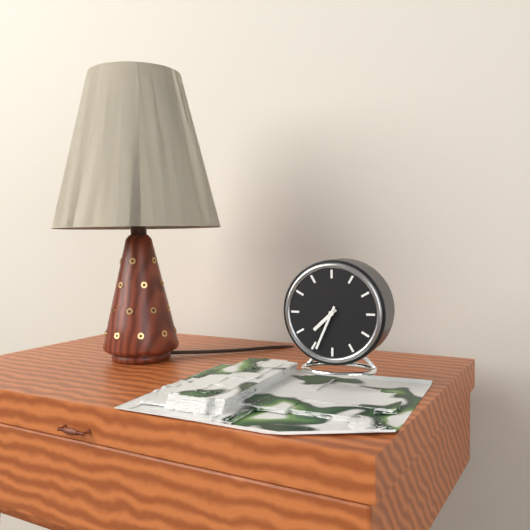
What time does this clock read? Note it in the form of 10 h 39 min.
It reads 7 h 34 min
